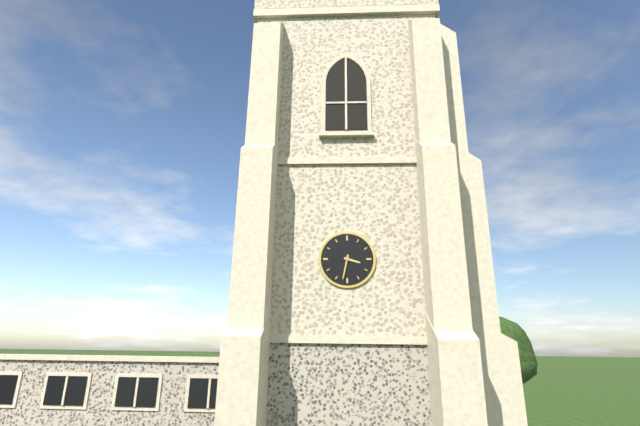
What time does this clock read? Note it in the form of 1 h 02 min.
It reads 3 h 32 min
